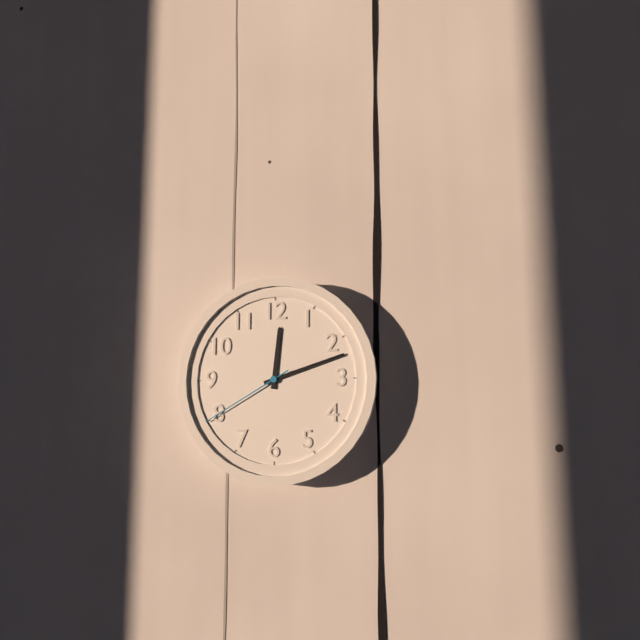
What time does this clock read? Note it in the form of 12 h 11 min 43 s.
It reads 12 h 12 min 40 s
